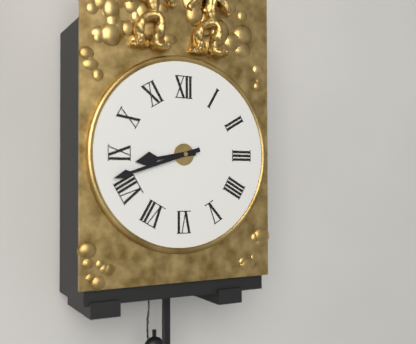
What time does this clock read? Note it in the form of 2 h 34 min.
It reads 8 h 42 min
